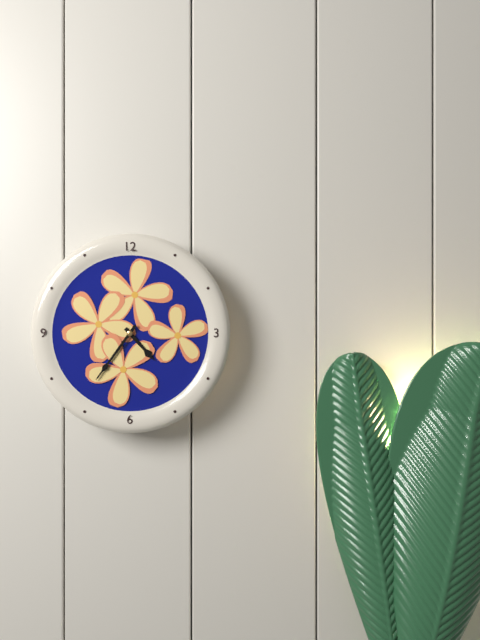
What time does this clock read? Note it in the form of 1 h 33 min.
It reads 4 h 36 min
